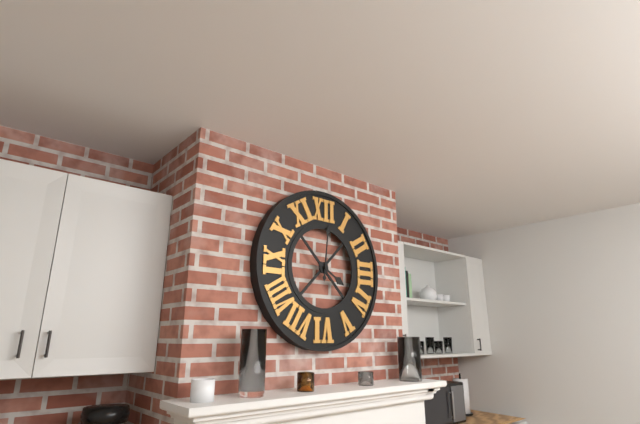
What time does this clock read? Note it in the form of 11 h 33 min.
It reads 4 h 01 min
